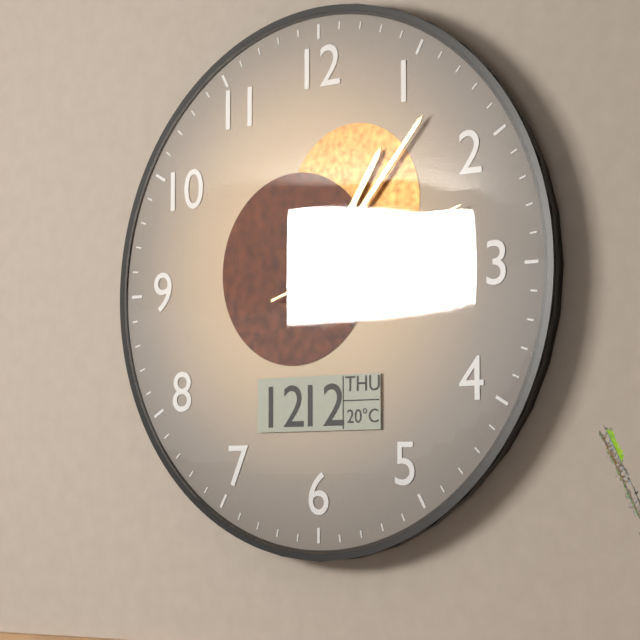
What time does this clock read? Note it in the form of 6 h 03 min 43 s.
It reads 1 h 07 min 12 s
